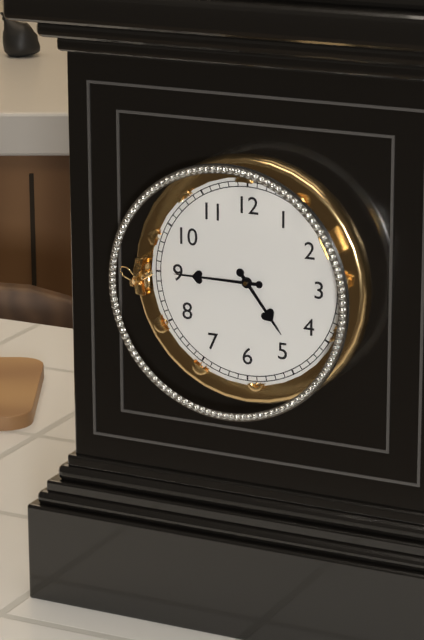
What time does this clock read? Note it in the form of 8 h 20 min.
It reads 4 h 45 min
